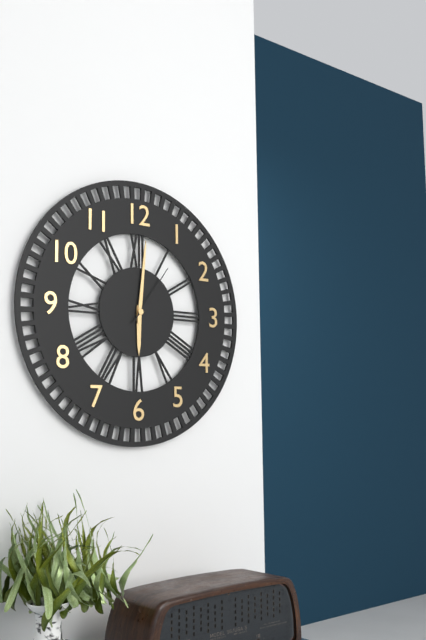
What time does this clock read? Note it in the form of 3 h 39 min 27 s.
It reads 6 h 01 min 06 s
